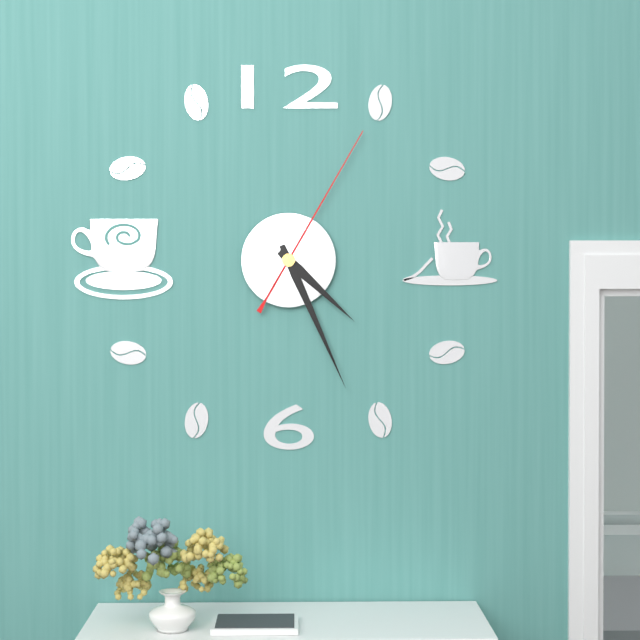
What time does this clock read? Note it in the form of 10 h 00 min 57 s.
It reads 4 h 26 min 05 s
